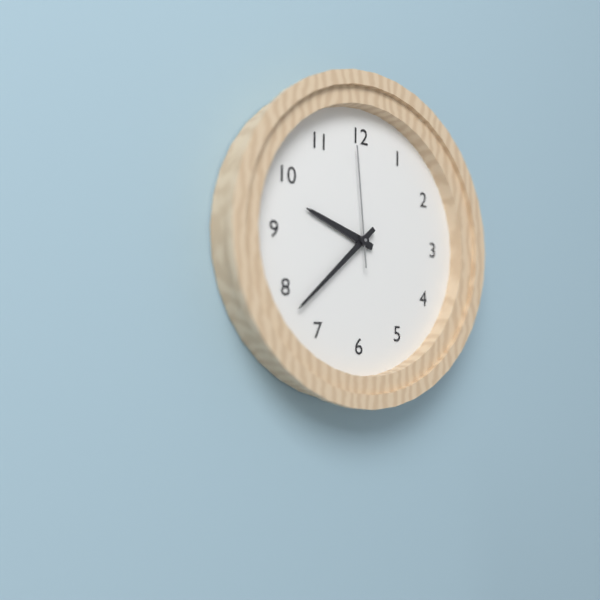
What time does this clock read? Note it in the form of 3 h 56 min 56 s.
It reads 9 h 38 min 59 s
